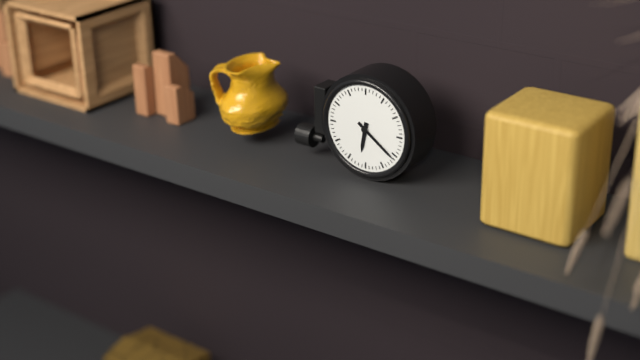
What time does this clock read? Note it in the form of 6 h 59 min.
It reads 6 h 21 min
